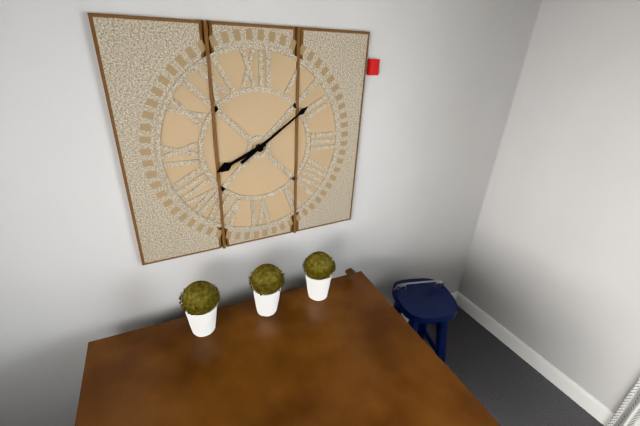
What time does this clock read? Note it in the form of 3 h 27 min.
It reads 8 h 09 min
